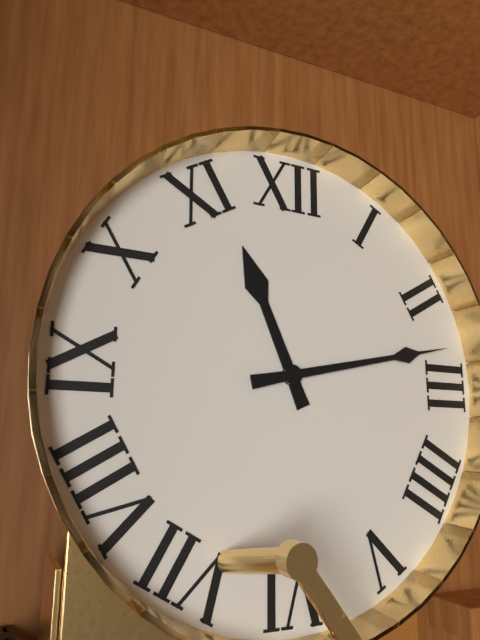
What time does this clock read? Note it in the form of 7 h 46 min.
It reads 11 h 13 min
